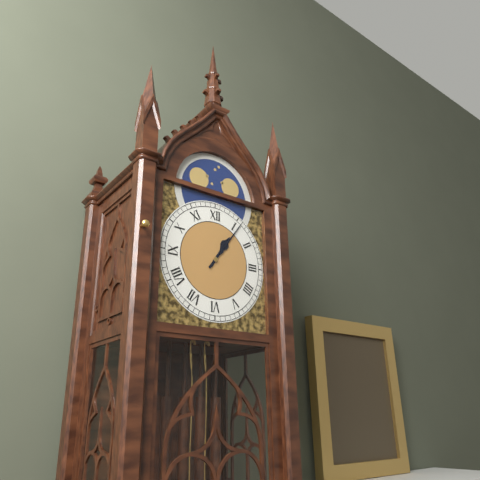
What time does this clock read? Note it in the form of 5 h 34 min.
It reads 1 h 06 min
